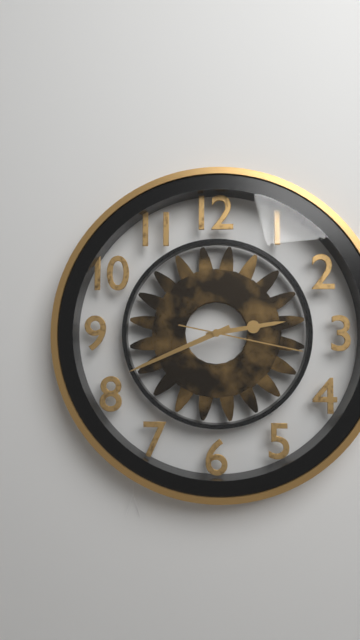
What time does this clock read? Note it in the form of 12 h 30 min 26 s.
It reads 2 h 41 min 17 s
